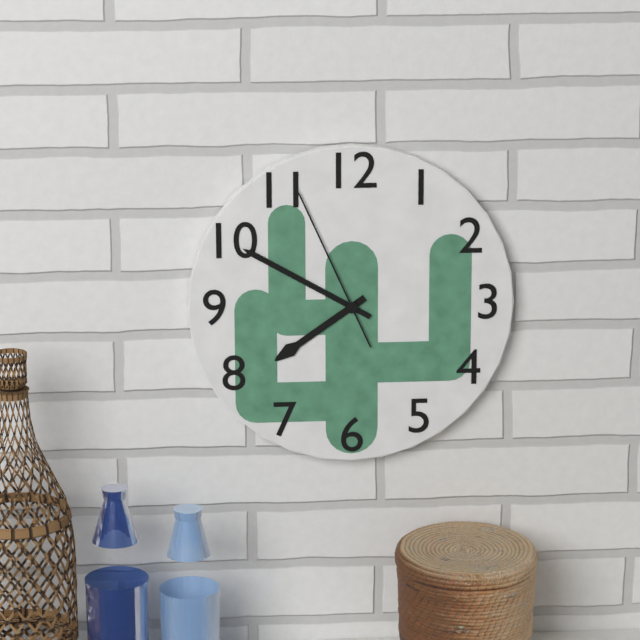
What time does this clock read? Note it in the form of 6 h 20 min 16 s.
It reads 7 h 50 min 56 s
